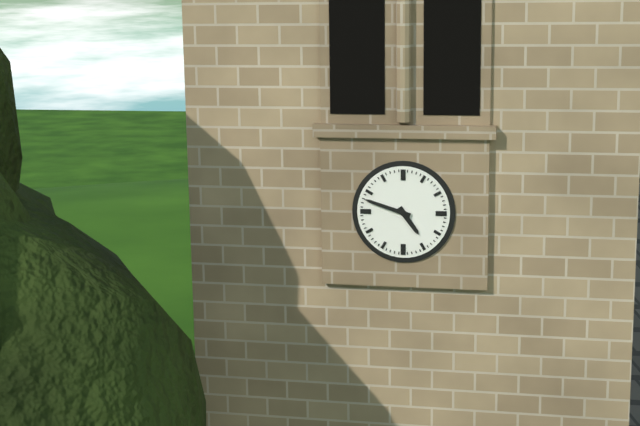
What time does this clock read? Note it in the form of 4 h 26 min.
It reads 4 h 48 min
